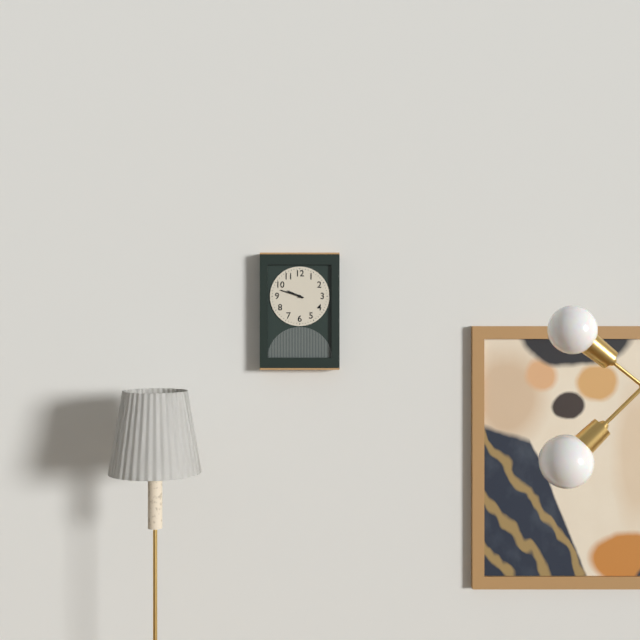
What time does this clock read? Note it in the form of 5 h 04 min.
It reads 9 h 48 min
